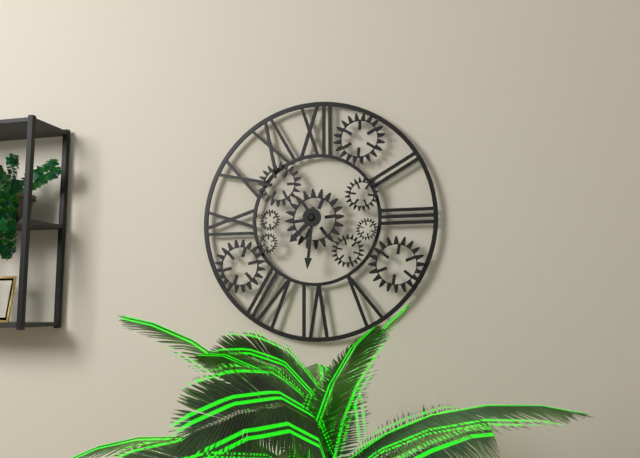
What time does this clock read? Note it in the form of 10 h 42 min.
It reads 7 h 31 min
